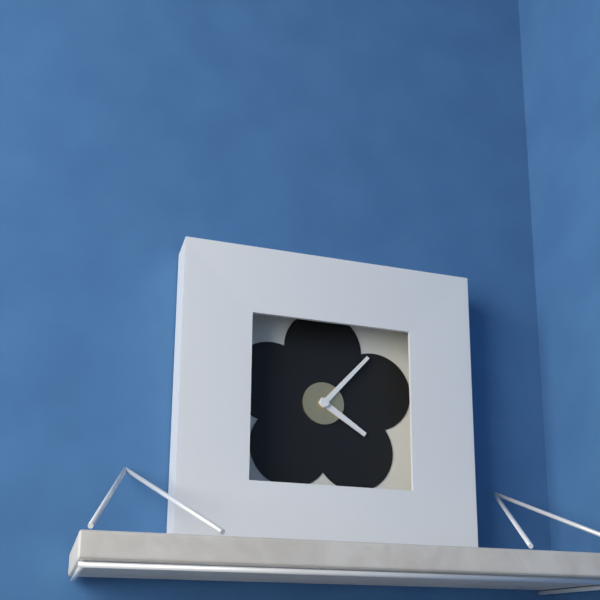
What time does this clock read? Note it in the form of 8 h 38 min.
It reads 4 h 07 min
